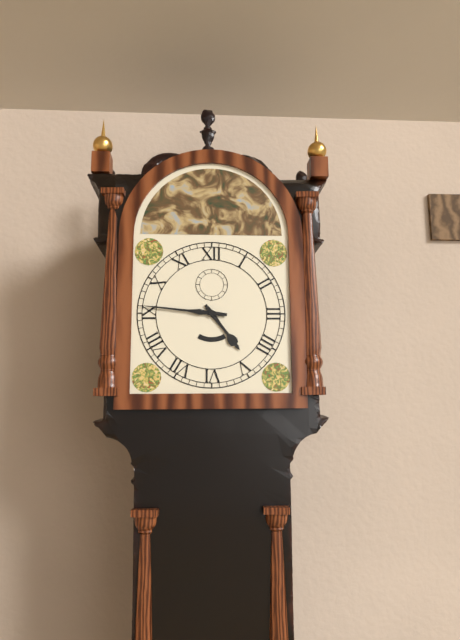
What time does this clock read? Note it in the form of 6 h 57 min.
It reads 4 h 46 min
